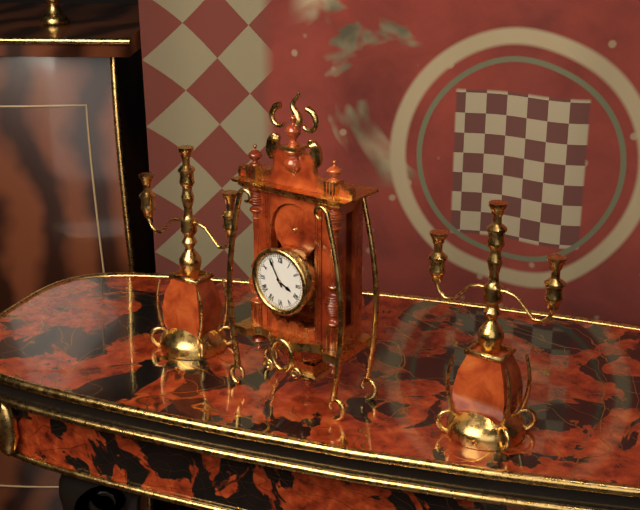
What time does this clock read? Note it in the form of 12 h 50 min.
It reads 3 h 55 min
